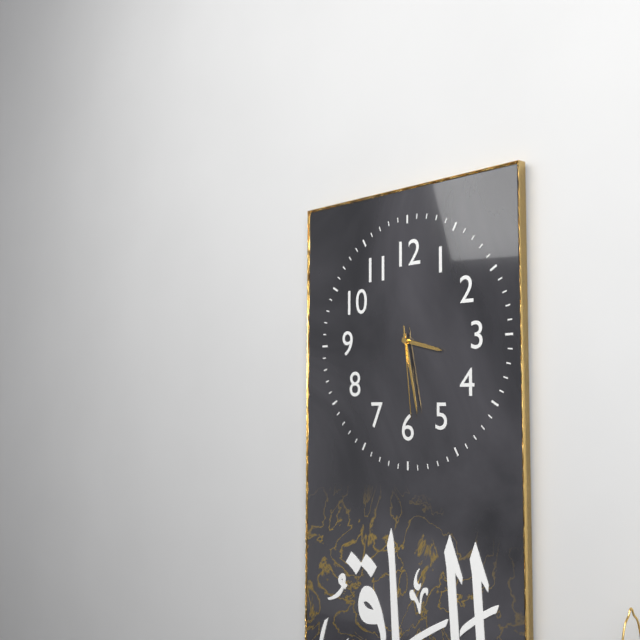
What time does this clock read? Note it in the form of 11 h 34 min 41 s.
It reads 3 h 28 min 29 s
